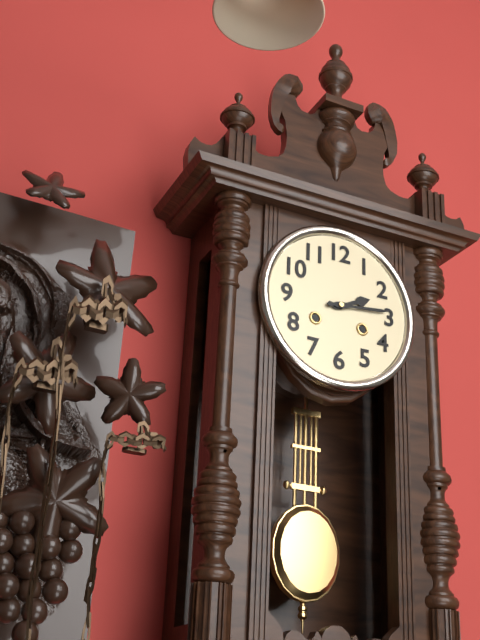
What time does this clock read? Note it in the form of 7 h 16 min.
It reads 2 h 14 min
